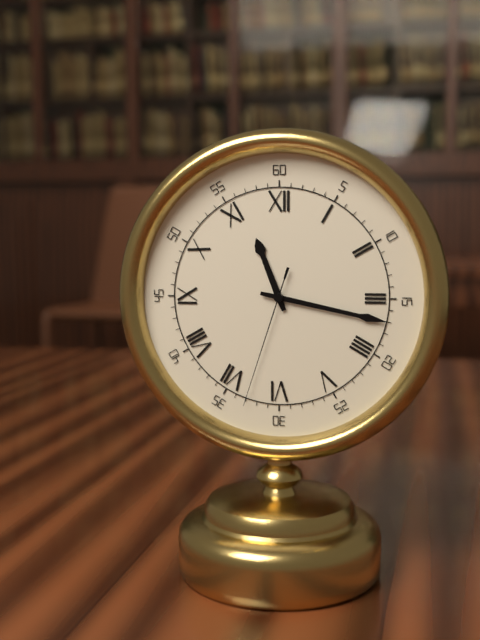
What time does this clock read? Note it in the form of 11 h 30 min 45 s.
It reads 11 h 17 min 33 s
